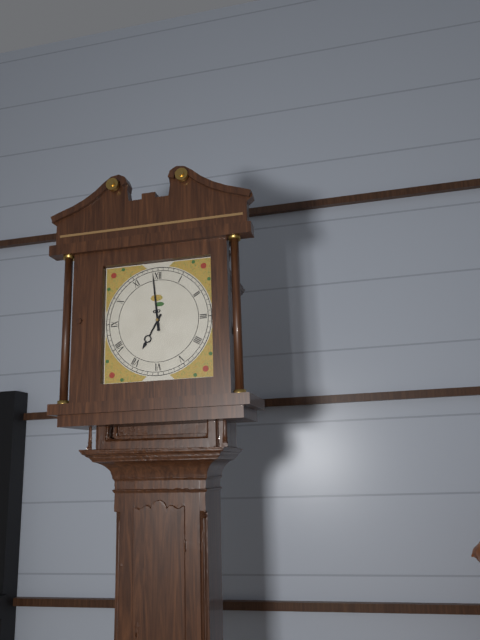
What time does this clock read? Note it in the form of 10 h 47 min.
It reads 6 h 59 min
